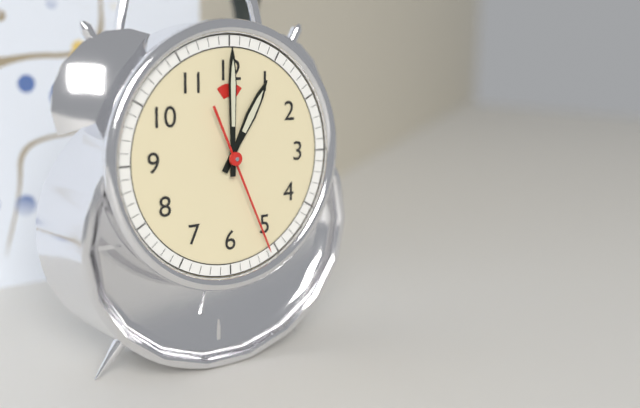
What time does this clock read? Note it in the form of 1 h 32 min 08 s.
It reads 1 h 00 min 26 s
